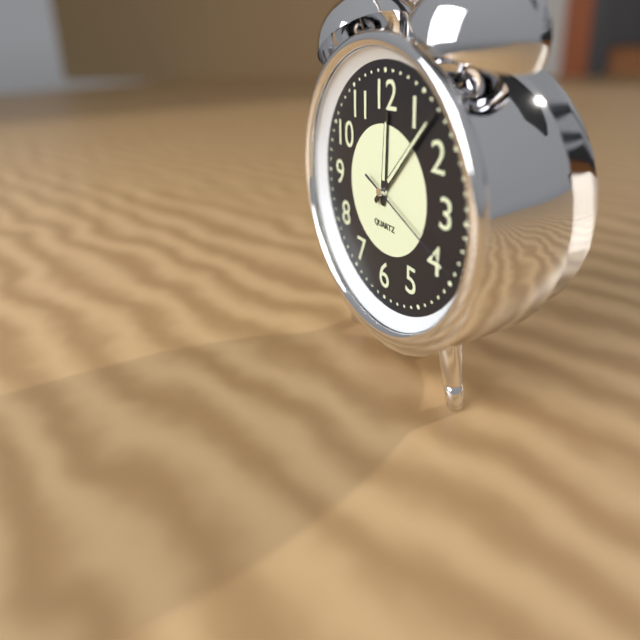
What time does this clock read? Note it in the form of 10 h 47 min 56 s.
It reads 12 h 07 min 19 s
